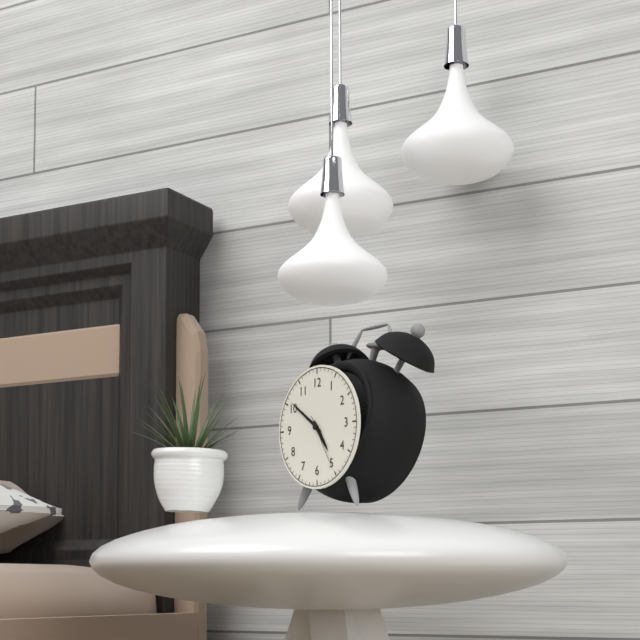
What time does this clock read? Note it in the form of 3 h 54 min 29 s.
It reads 4 h 51 min 25 s
